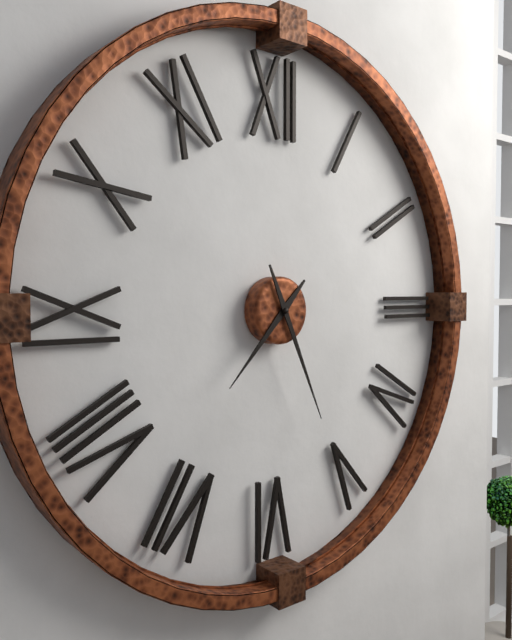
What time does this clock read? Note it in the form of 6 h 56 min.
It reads 7 h 26 min
